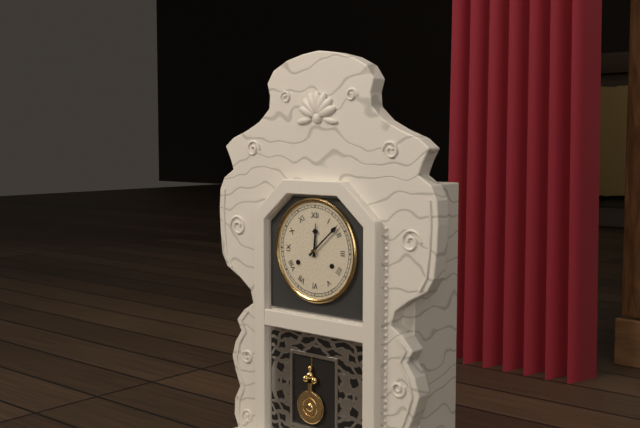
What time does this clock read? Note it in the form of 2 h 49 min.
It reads 12 h 08 min
